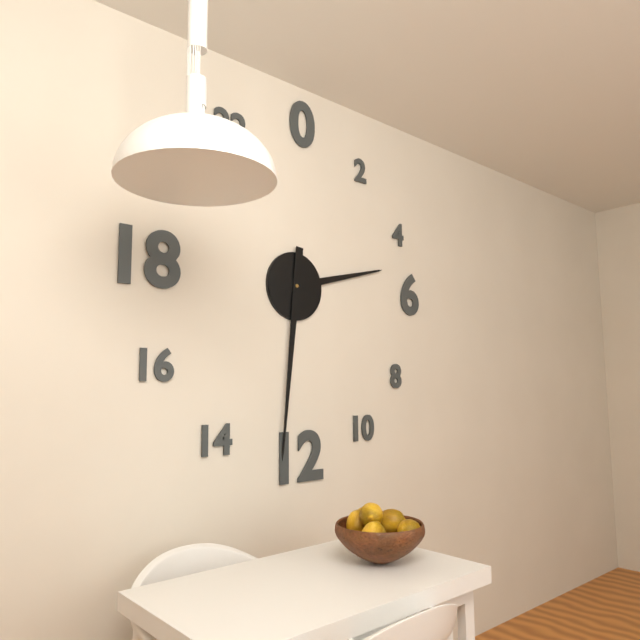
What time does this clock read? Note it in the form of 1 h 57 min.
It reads 2 h 31 min
